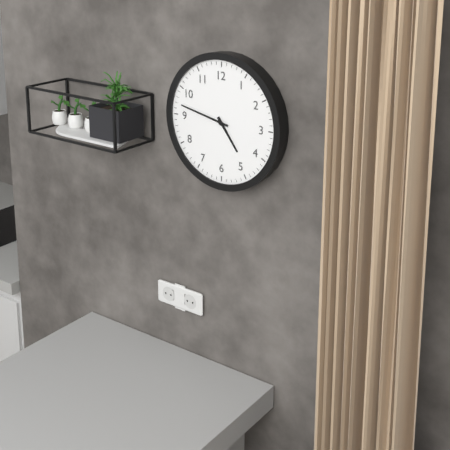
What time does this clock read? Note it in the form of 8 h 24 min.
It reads 4 h 47 min
